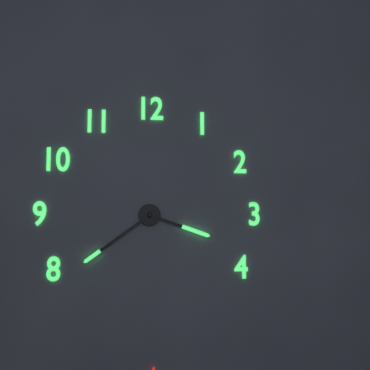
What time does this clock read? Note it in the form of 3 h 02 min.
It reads 3 h 39 min
